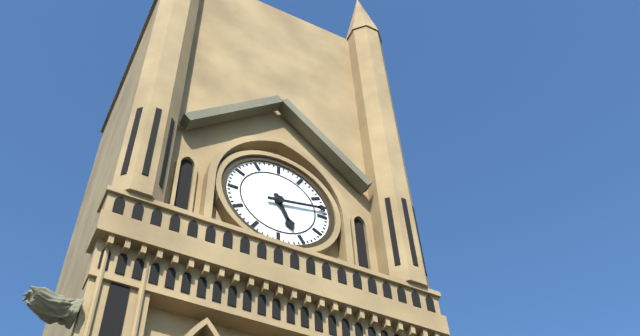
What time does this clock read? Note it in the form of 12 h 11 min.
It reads 5 h 13 min
